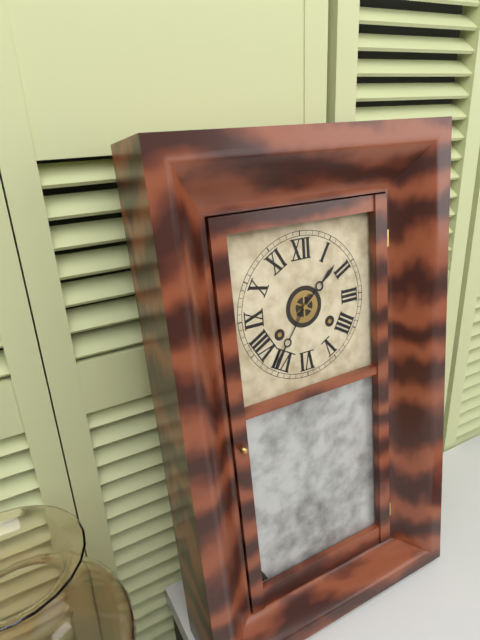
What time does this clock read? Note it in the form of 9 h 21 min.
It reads 1 h 36 min
